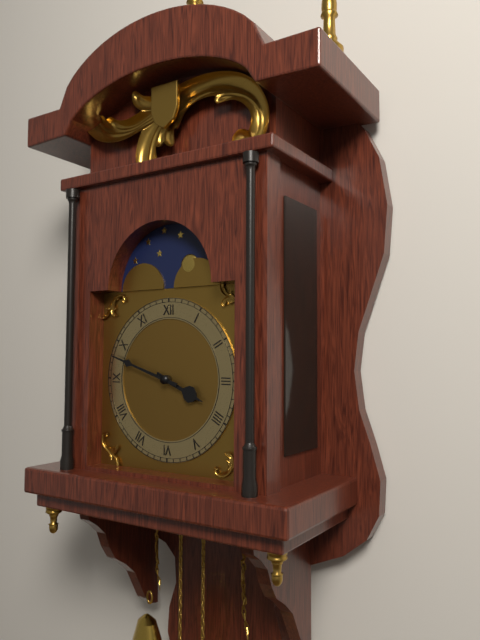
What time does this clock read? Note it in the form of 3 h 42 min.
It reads 3 h 48 min
